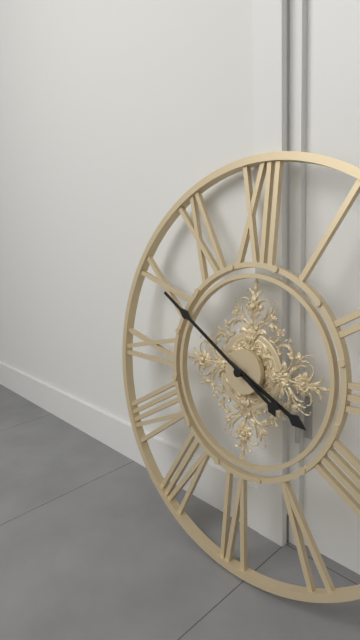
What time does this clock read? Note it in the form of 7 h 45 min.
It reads 3 h 50 min
